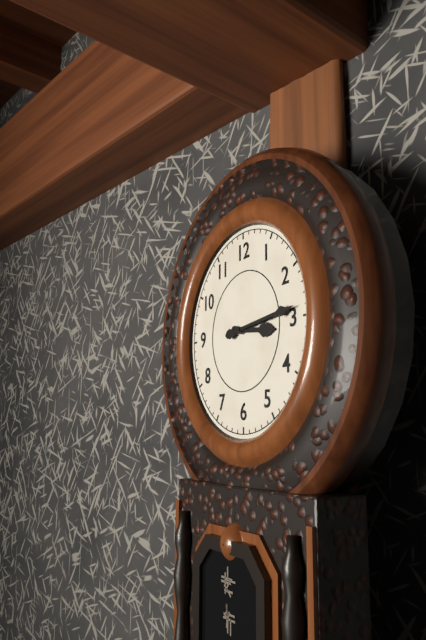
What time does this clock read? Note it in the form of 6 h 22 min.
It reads 3 h 14 min
